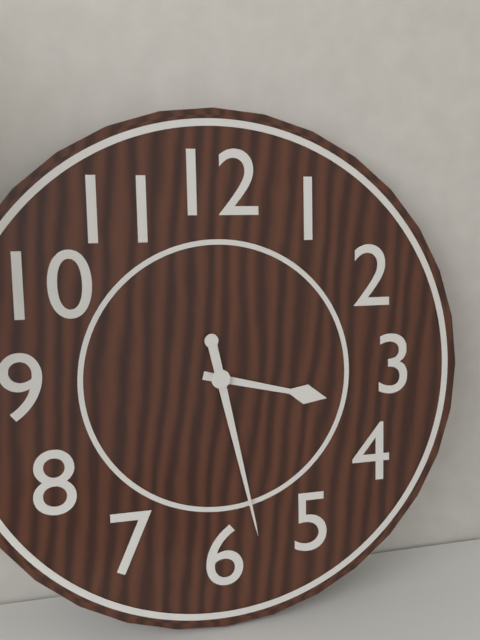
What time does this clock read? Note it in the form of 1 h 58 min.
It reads 3 h 28 min
